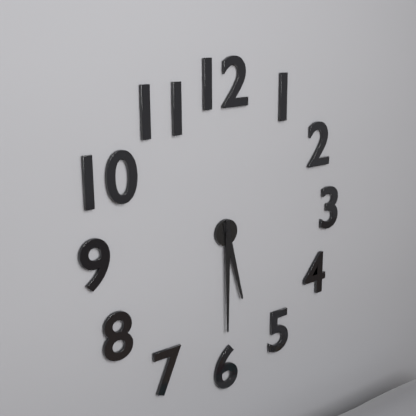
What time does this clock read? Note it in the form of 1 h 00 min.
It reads 5 h 30 min
